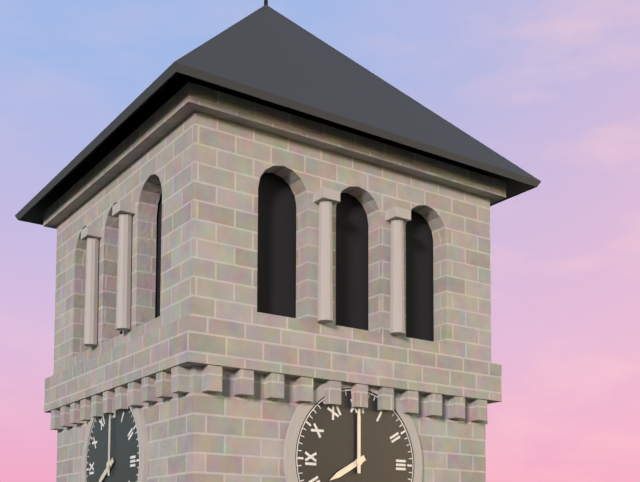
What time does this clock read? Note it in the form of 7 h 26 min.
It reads 8 h 00 min
